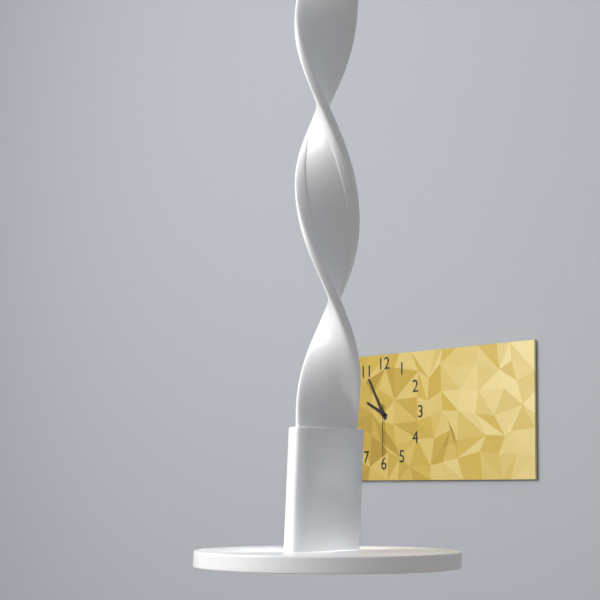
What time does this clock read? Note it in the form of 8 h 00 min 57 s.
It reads 9 h 55 min 30 s
